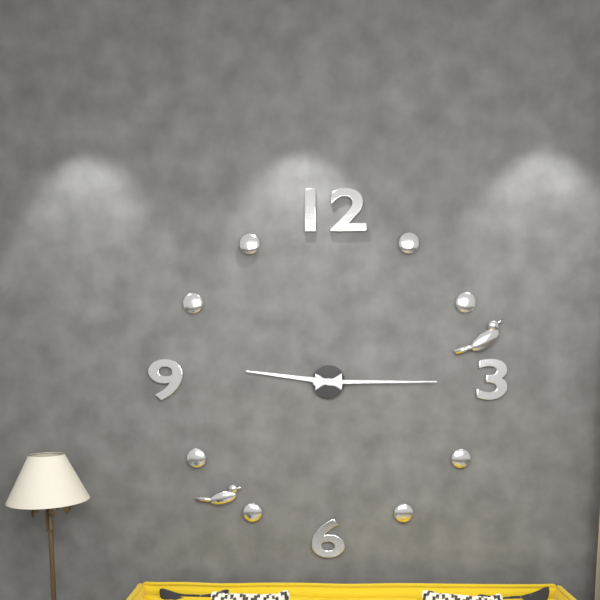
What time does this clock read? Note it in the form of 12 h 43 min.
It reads 9 h 15 min
